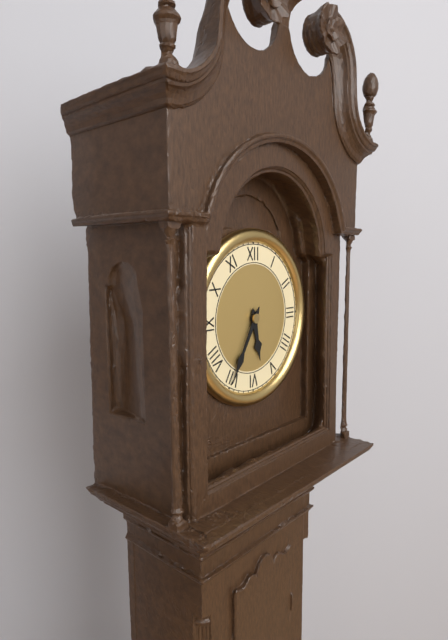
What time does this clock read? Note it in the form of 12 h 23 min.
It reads 5 h 35 min
